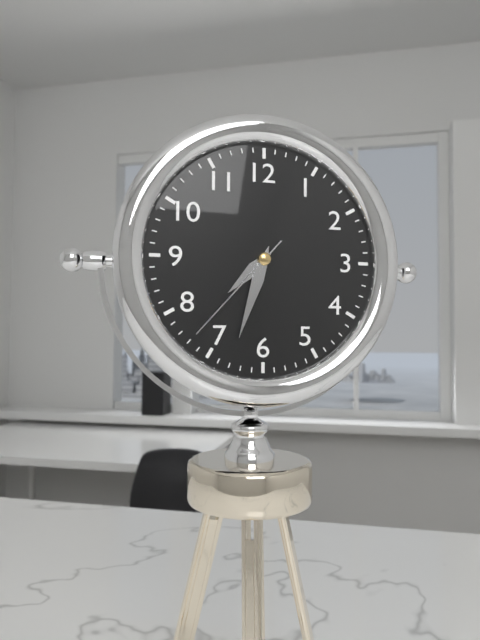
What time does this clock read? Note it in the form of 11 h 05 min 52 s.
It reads 7 h 33 min 37 s
